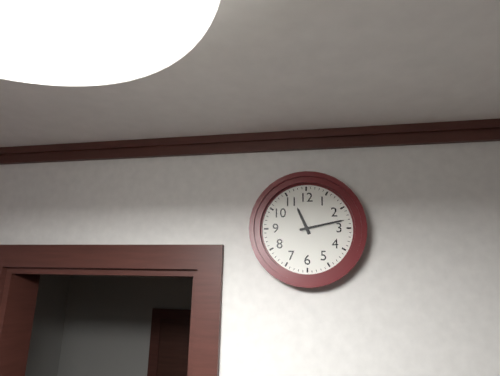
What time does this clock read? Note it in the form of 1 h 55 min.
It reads 11 h 13 min
